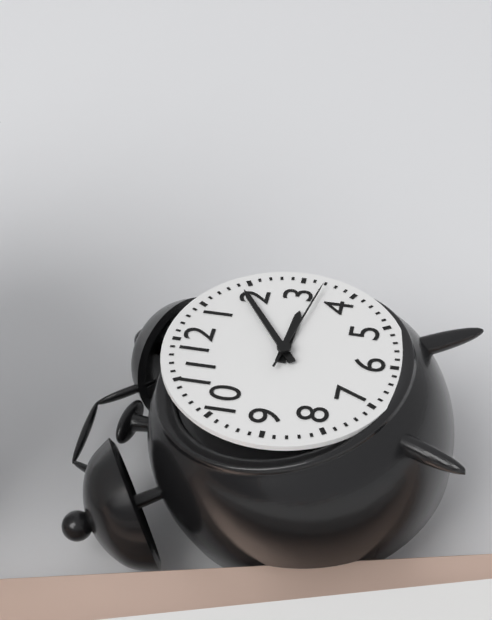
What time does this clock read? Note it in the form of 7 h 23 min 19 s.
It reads 3 h 09 min 17 s
